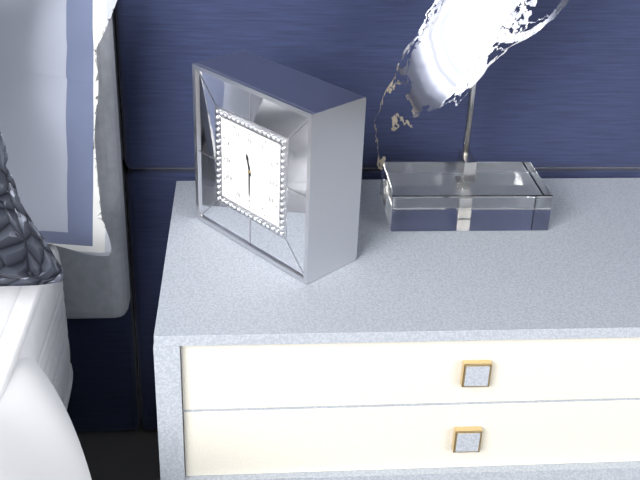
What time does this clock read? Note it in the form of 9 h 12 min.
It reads 11 h 30 min
